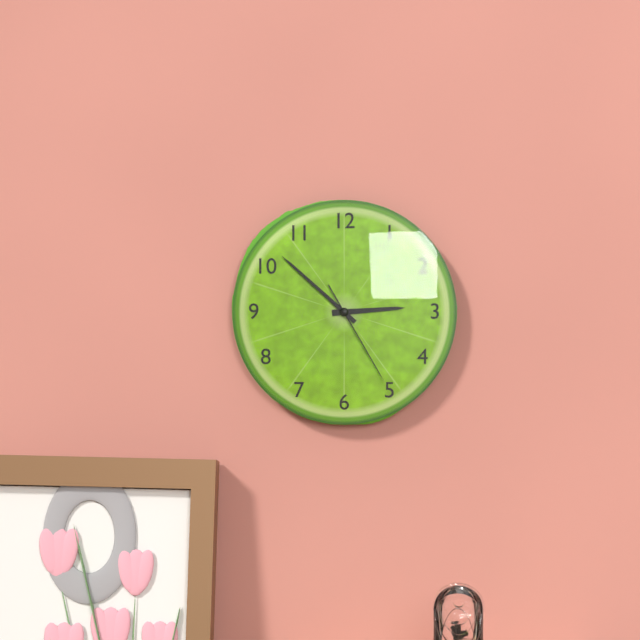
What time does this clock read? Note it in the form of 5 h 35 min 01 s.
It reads 2 h 52 min 25 s
